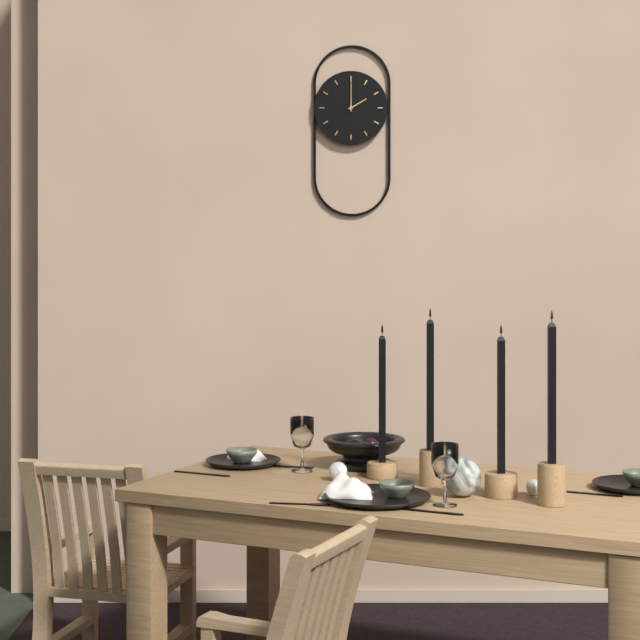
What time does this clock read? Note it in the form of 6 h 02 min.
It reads 2 h 00 min
